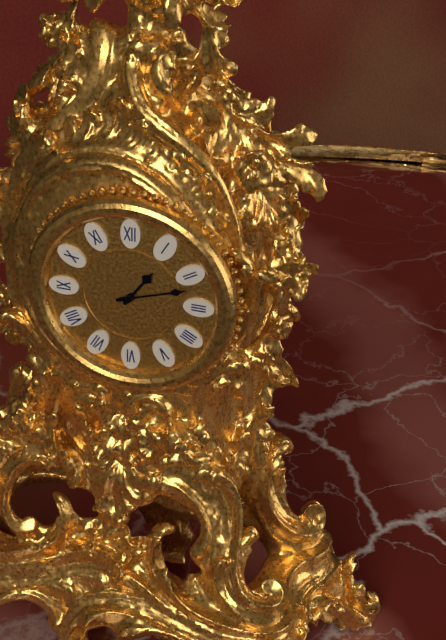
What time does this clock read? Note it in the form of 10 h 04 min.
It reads 1 h 12 min
